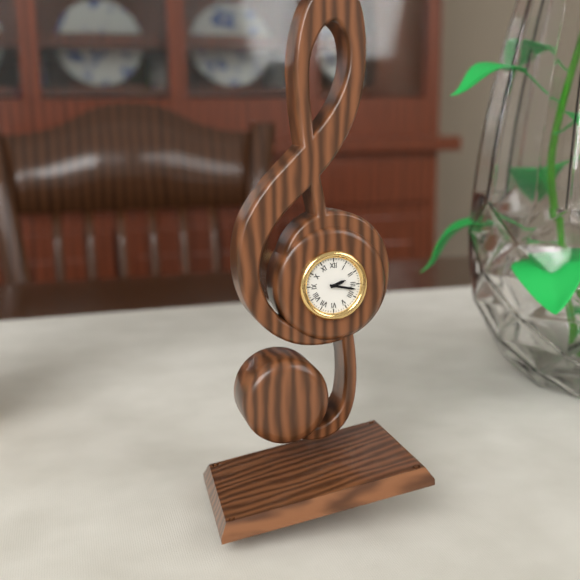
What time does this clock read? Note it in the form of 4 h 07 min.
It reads 2 h 17 min
